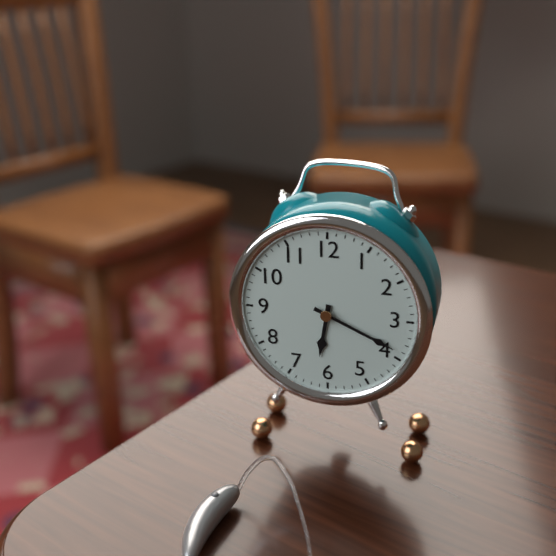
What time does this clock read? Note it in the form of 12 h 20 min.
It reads 6 h 19 min
